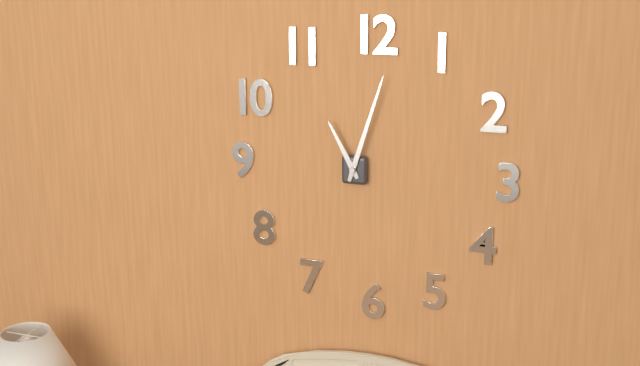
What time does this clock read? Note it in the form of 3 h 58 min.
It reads 11 h 03 min
